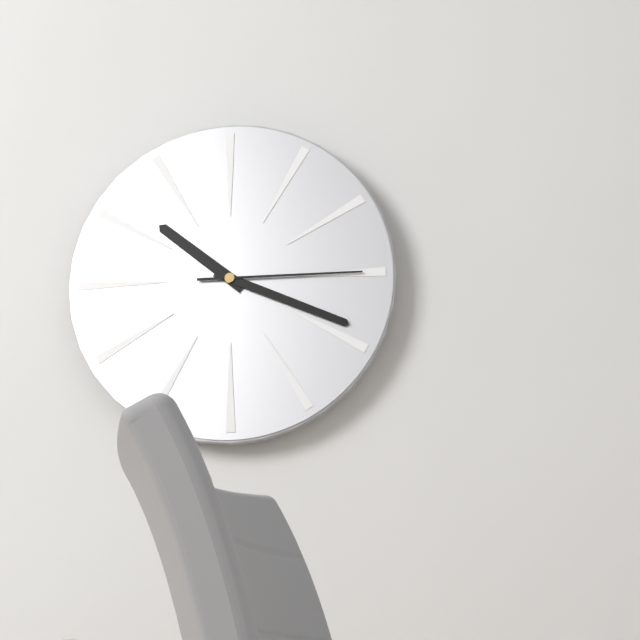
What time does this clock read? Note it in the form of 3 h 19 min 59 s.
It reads 10 h 19 min 15 s
